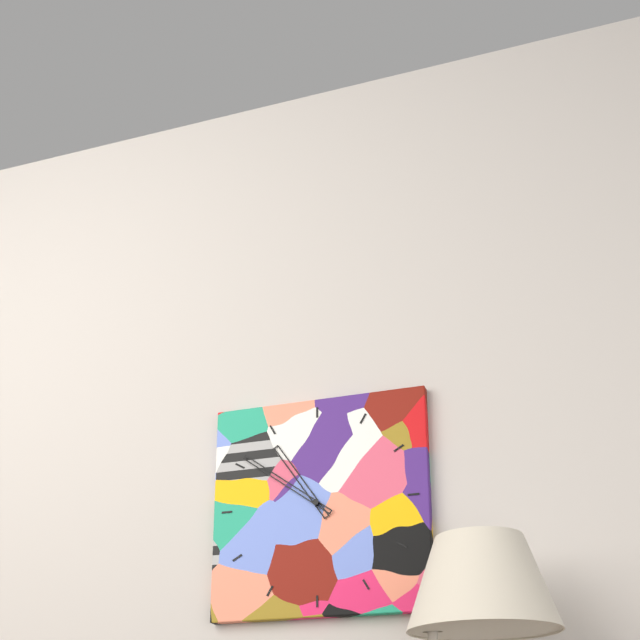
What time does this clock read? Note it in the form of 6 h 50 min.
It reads 10 h 51 min
